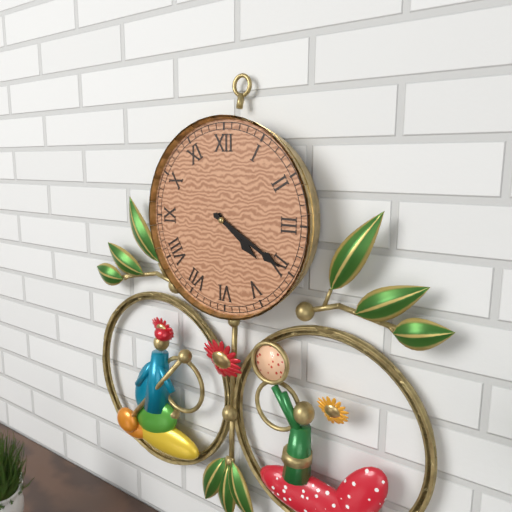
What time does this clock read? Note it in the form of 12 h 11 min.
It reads 4 h 20 min
